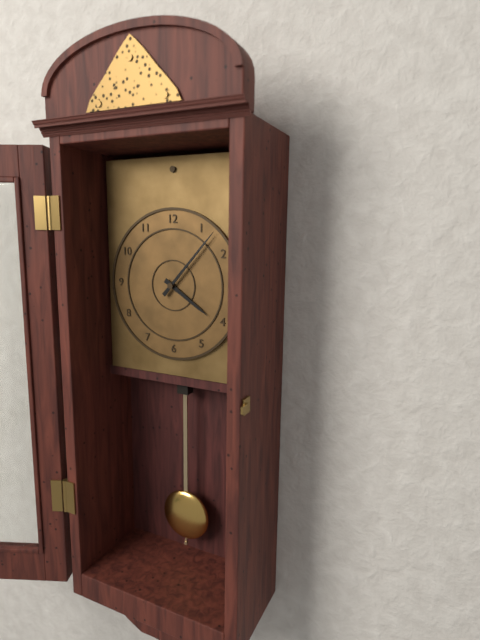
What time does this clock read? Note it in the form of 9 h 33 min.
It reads 4 h 07 min
